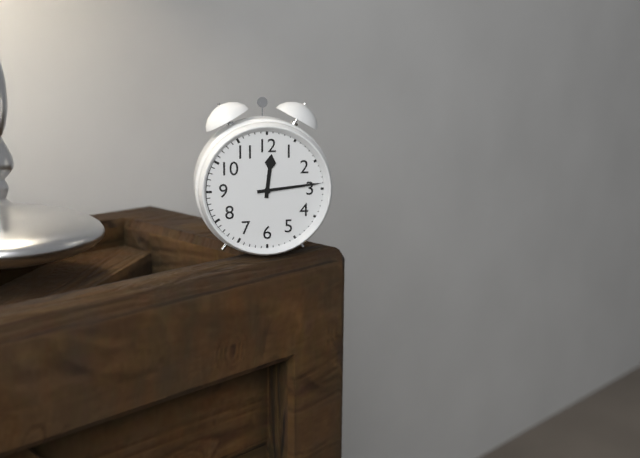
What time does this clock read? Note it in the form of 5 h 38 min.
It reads 12 h 14 min
